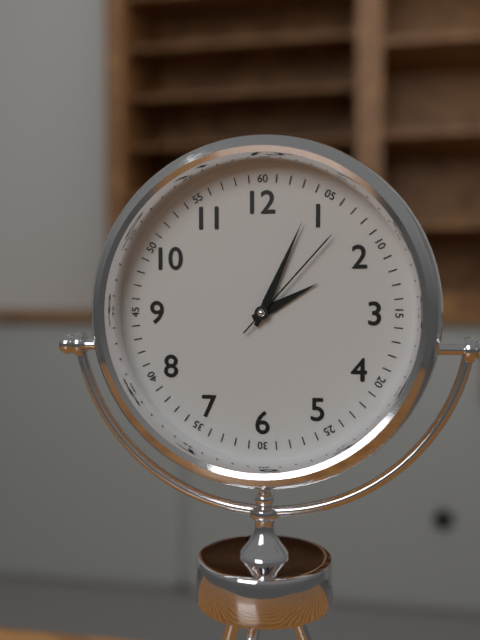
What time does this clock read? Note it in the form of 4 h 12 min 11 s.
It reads 2 h 04 min 07 s
